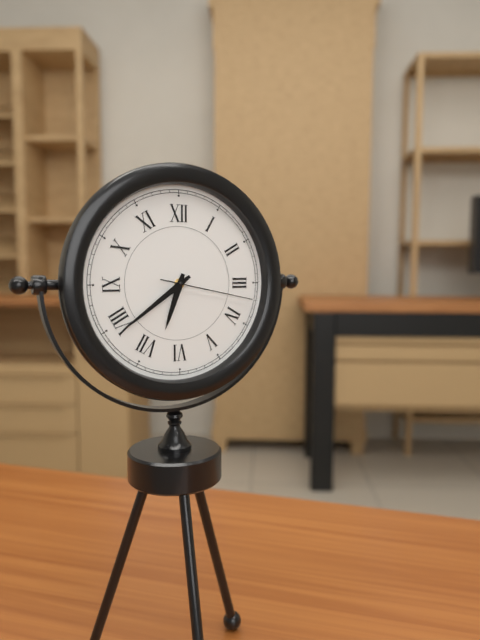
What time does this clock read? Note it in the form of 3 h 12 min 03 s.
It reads 6 h 39 min 17 s
